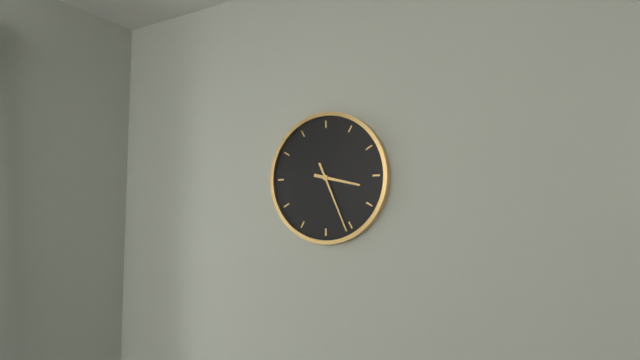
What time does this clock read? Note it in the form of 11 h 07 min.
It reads 3 h 26 min
